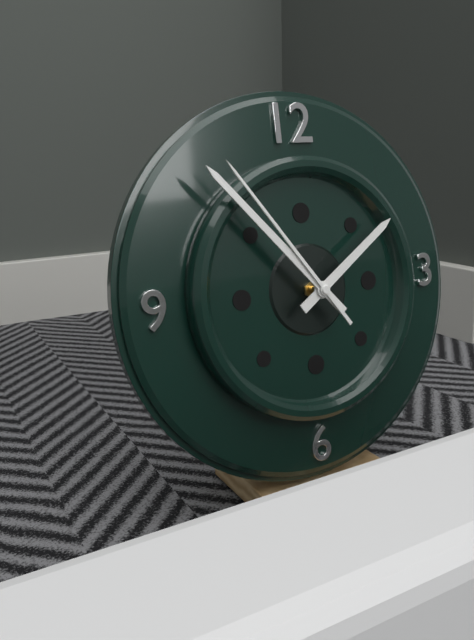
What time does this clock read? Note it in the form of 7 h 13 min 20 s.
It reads 1 h 53 min 54 s
